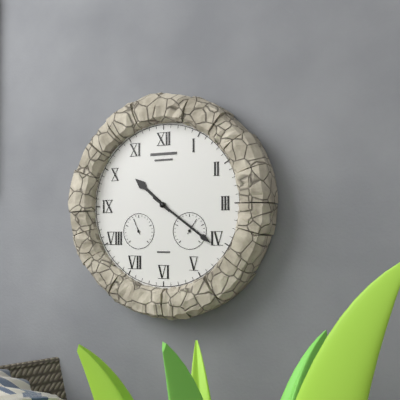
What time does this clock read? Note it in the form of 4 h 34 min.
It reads 10 h 21 min
